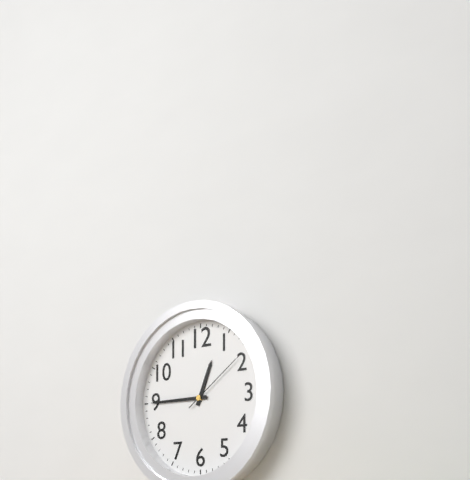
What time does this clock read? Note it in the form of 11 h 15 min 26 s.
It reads 12 h 45 min 09 s
